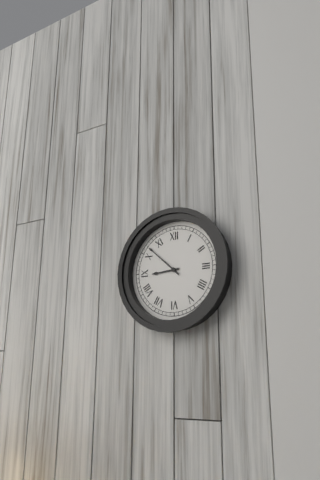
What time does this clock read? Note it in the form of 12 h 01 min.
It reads 8 h 52 min
